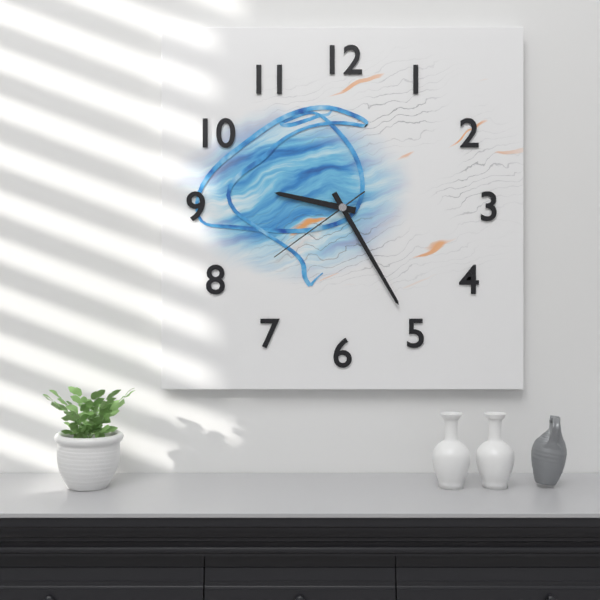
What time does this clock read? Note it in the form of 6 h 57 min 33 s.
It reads 9 h 25 min 39 s
